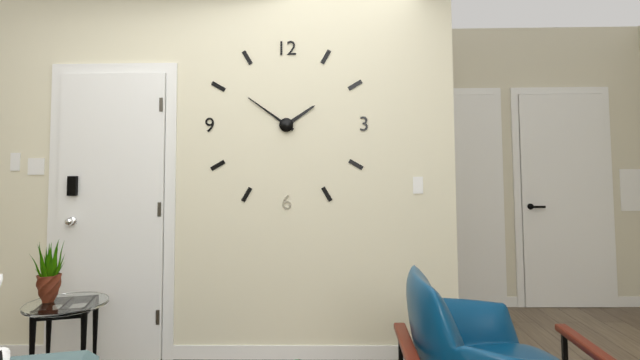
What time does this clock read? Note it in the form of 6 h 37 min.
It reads 1 h 51 min
